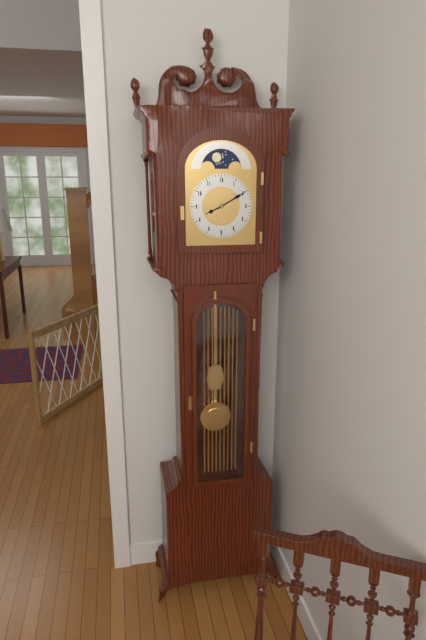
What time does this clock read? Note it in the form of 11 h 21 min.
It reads 8 h 10 min
